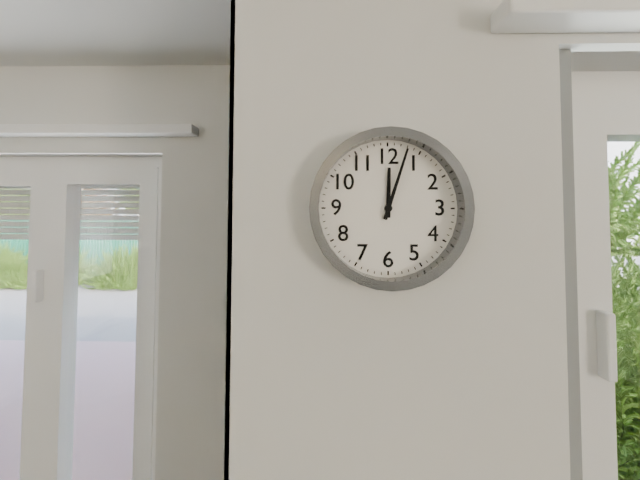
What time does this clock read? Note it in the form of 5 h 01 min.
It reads 12 h 03 min
